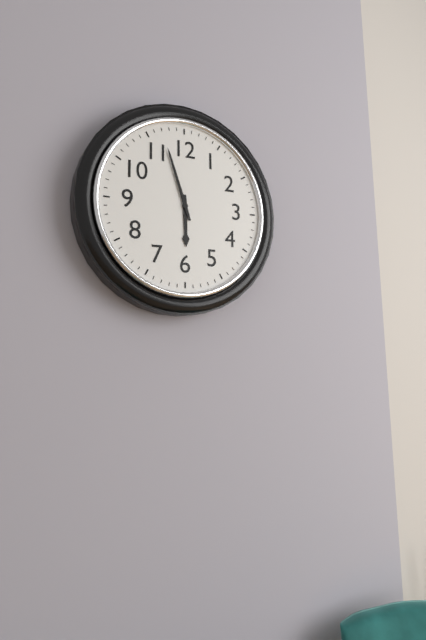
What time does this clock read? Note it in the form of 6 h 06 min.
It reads 5 h 57 min
